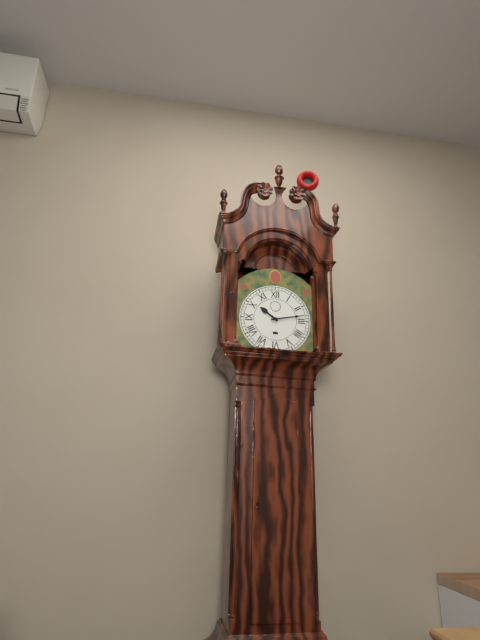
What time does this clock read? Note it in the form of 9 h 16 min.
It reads 10 h 13 min
